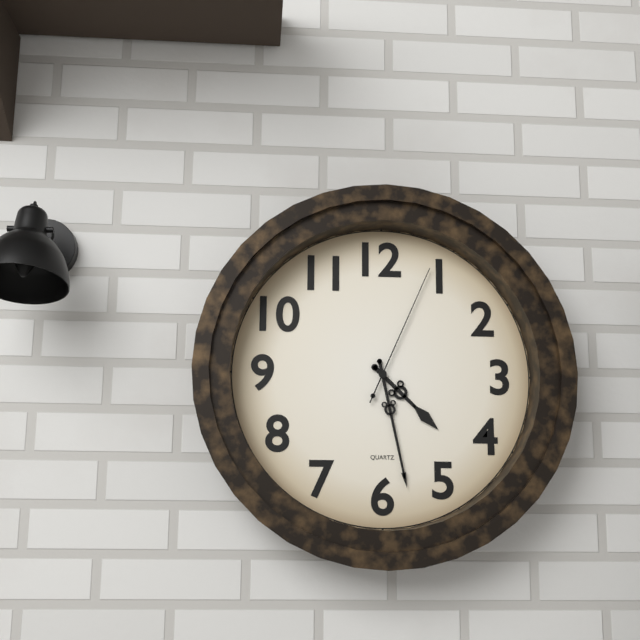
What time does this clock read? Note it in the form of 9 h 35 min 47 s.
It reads 4 h 28 min 04 s
